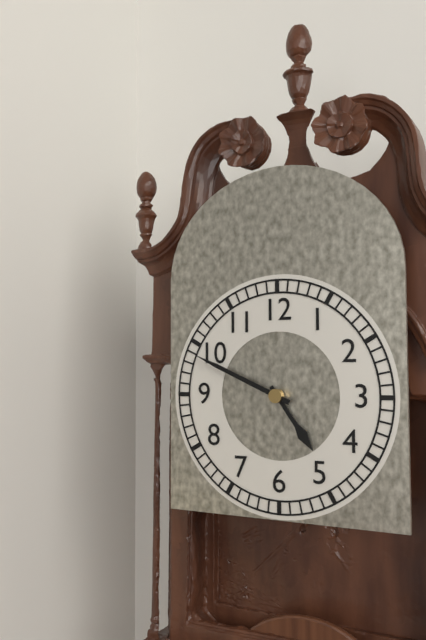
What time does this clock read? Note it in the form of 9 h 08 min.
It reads 4 h 49 min
